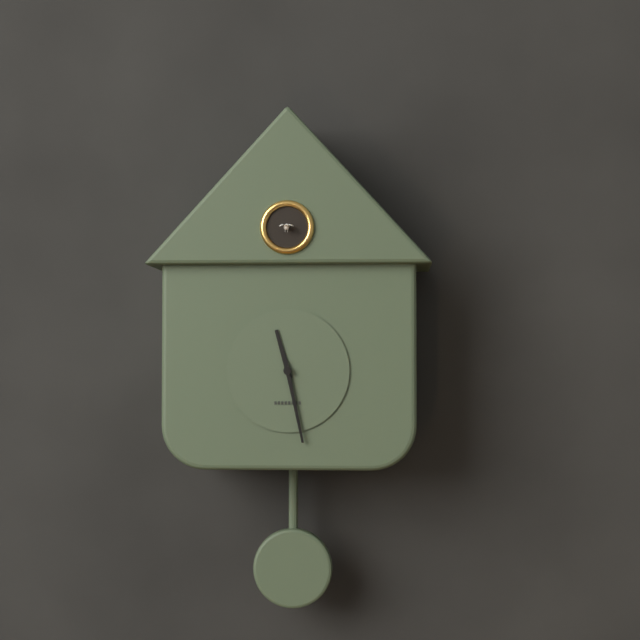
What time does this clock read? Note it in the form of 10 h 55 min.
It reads 11 h 28 min
